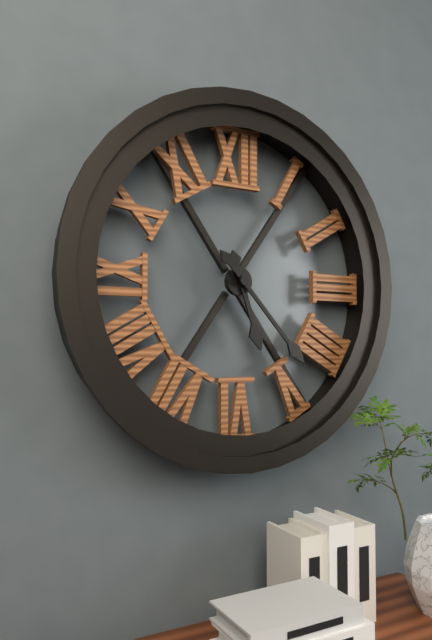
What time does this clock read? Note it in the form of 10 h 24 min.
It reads 5 h 23 min
